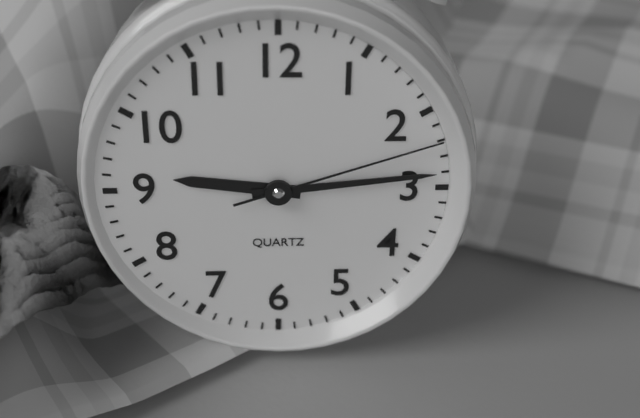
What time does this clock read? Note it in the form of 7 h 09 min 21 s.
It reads 9 h 14 min 12 s
